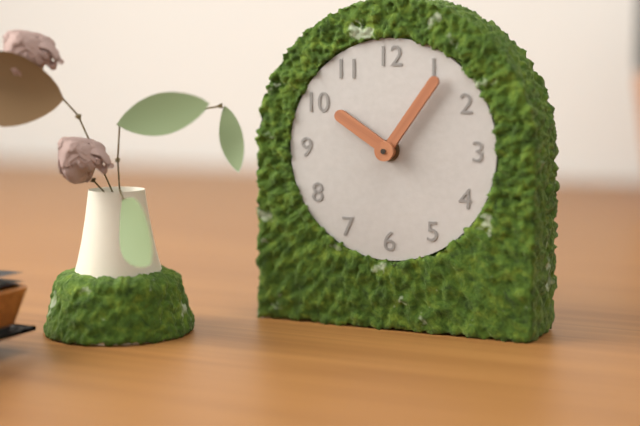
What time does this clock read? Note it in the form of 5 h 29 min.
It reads 10 h 06 min
